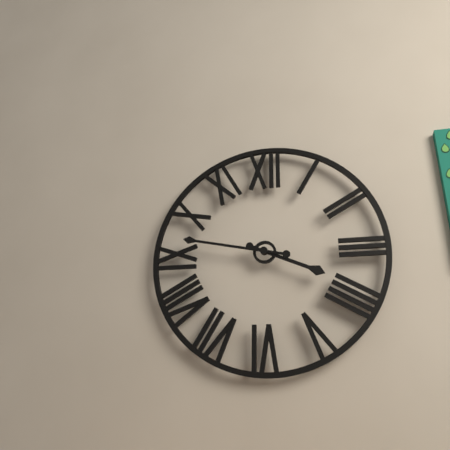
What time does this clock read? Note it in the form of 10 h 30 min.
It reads 3 h 47 min
